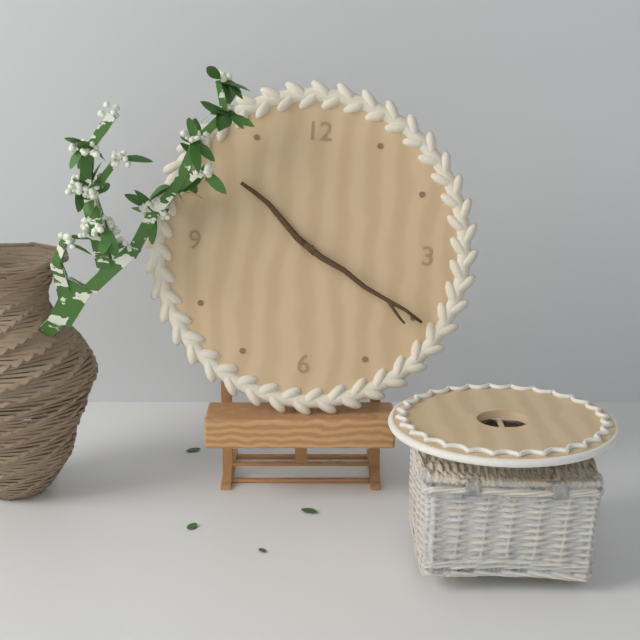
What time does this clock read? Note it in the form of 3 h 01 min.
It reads 10 h 20 min
